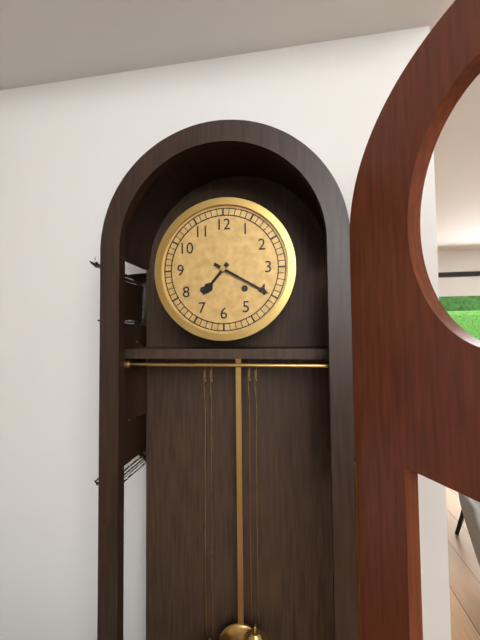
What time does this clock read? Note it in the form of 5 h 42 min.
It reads 7 h 20 min
